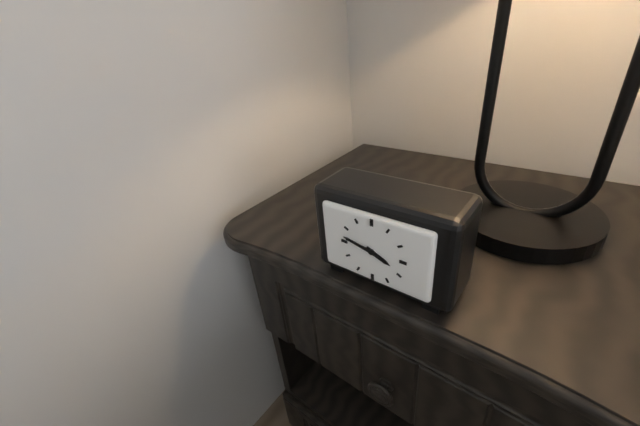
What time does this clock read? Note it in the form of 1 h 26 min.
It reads 3 h 47 min
